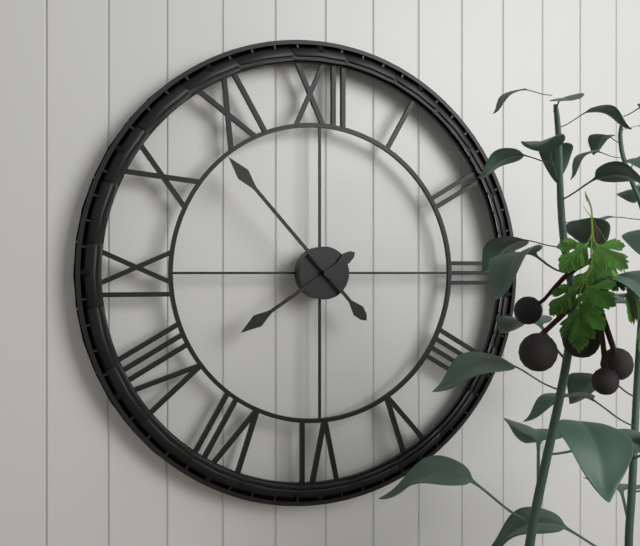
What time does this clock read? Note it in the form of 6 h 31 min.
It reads 7 h 53 min
